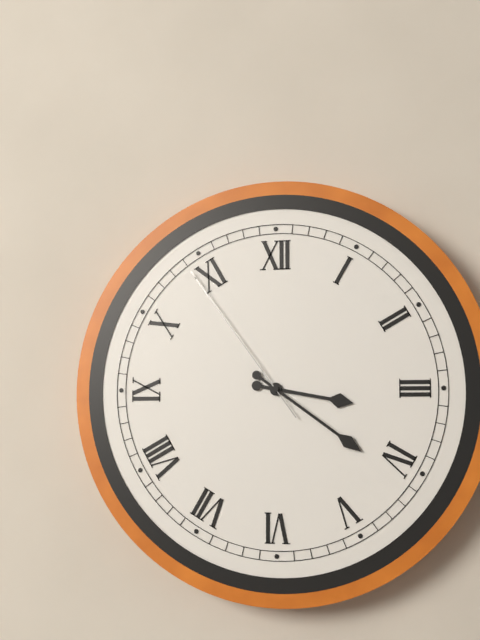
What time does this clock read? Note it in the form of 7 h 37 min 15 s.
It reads 3 h 21 min 54 s
